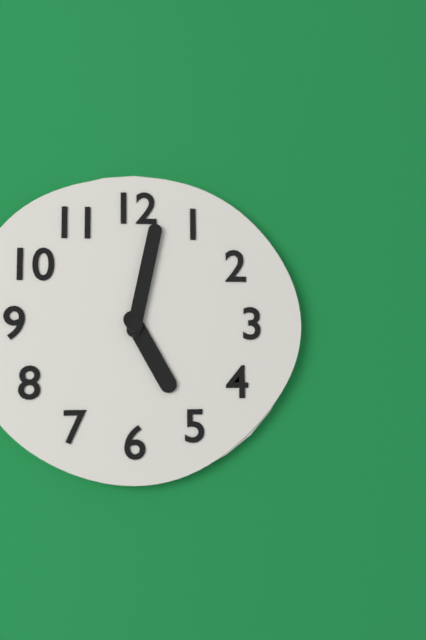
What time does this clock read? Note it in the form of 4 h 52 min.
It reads 5 h 02 min
